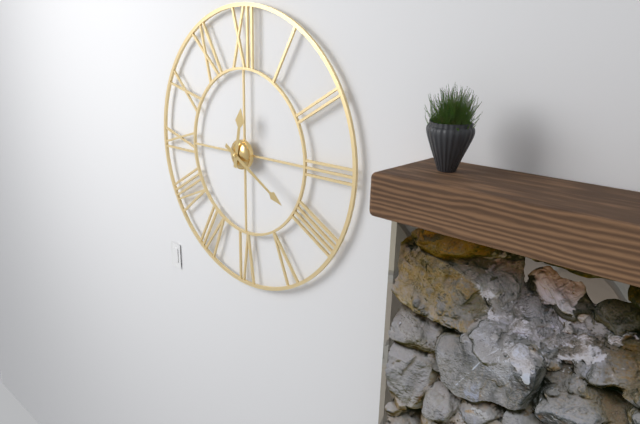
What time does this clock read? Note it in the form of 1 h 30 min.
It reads 12 h 20 min
